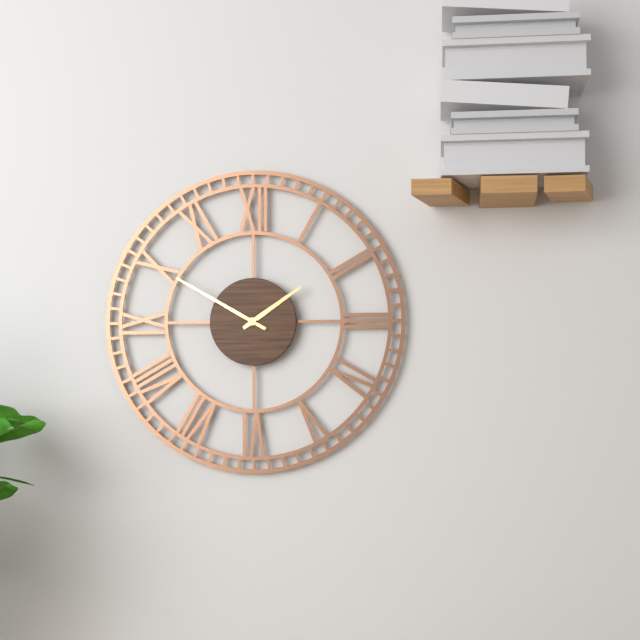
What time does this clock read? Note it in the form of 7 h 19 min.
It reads 1 h 50 min
